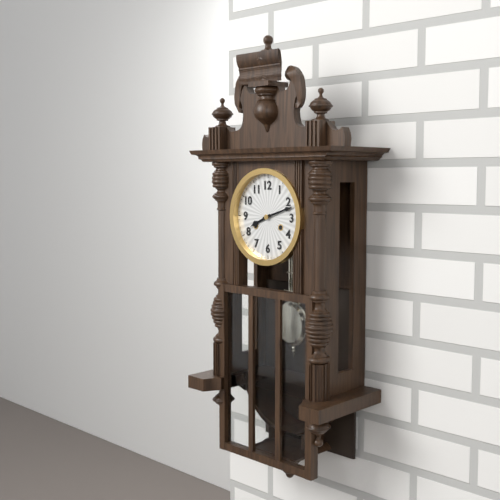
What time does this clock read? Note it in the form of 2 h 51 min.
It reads 8 h 12 min
